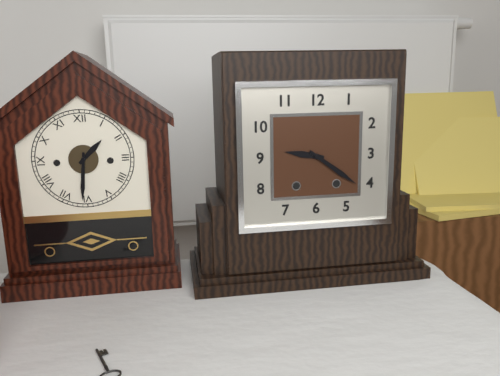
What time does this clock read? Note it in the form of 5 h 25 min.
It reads 9 h 21 min
